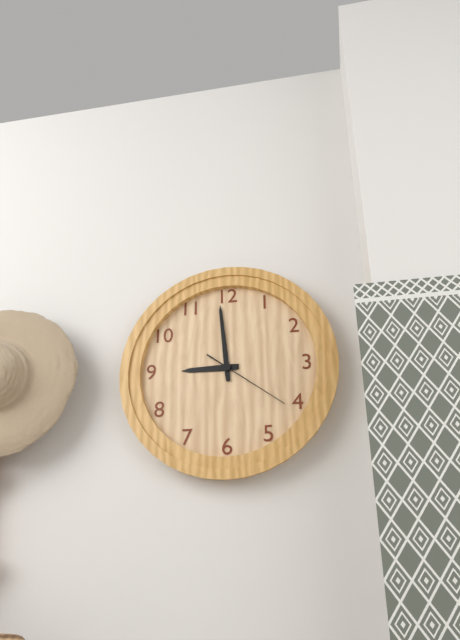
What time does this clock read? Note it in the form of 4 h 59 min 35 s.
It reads 8 h 59 min 21 s
